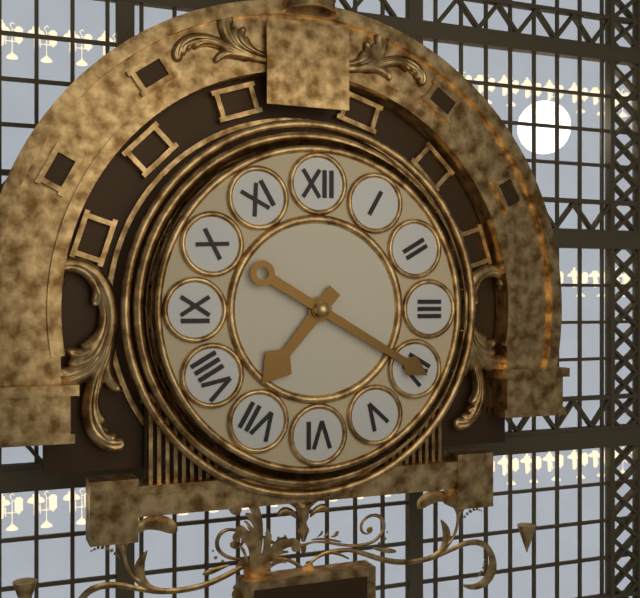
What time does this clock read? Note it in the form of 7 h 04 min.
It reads 7 h 20 min
